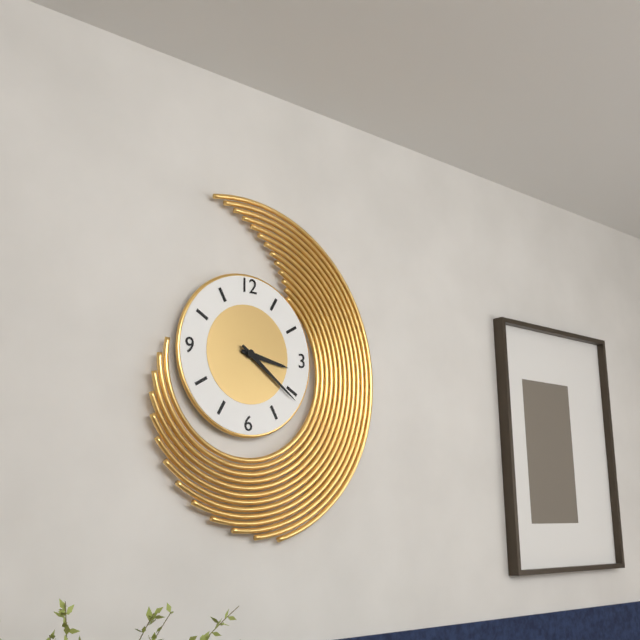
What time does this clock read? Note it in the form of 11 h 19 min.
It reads 3 h 21 min
